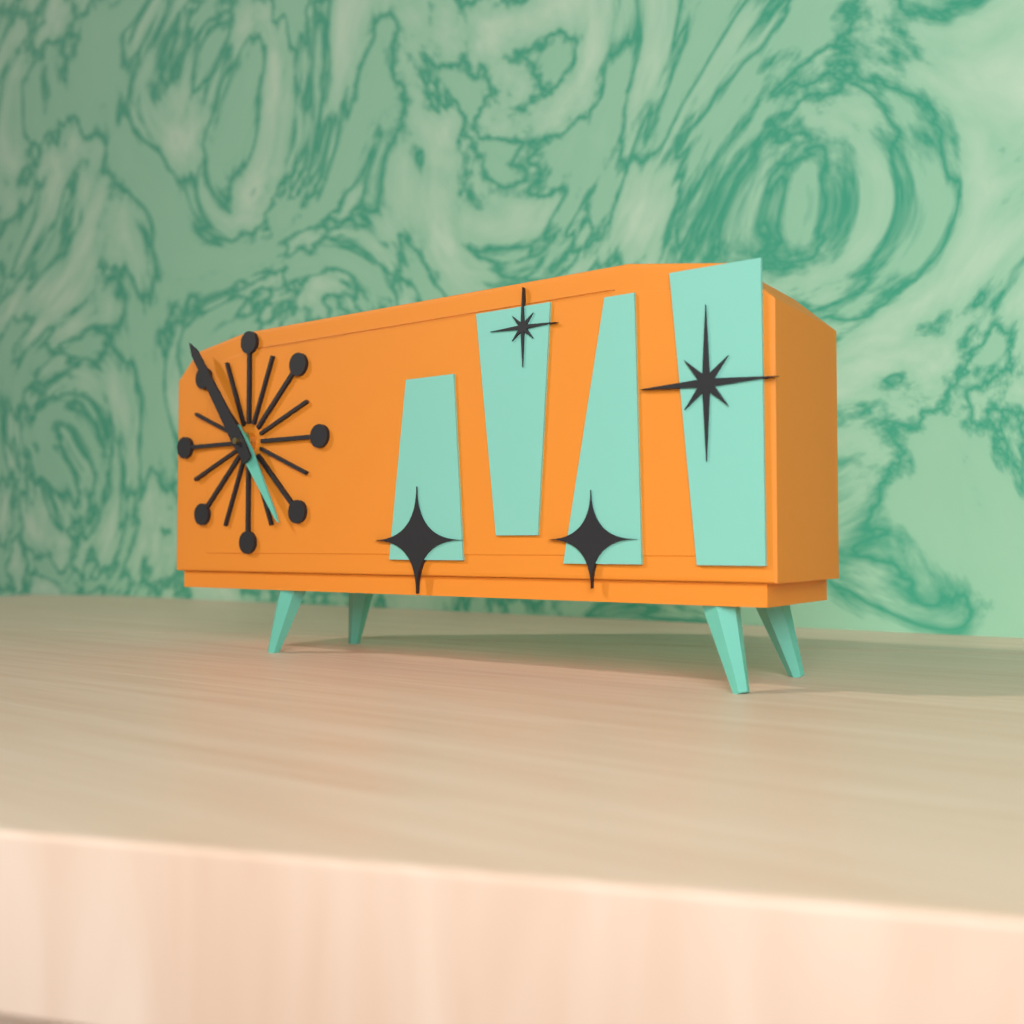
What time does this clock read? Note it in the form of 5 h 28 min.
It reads 4 h 54 min
